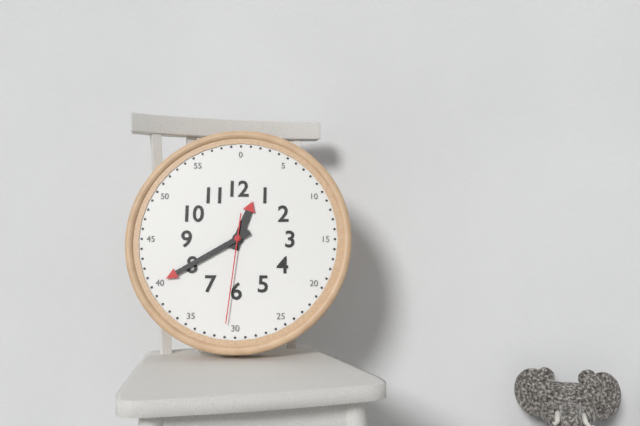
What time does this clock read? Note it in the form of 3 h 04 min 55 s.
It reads 12 h 40 min 31 s
